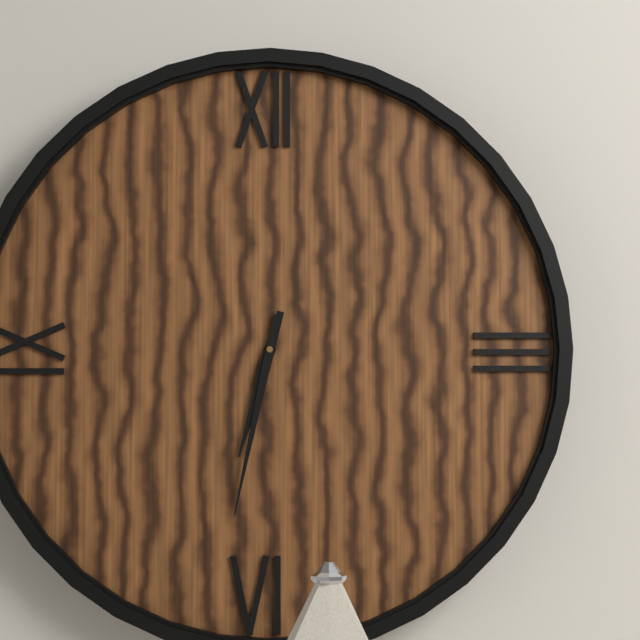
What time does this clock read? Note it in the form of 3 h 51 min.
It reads 6 h 32 min
